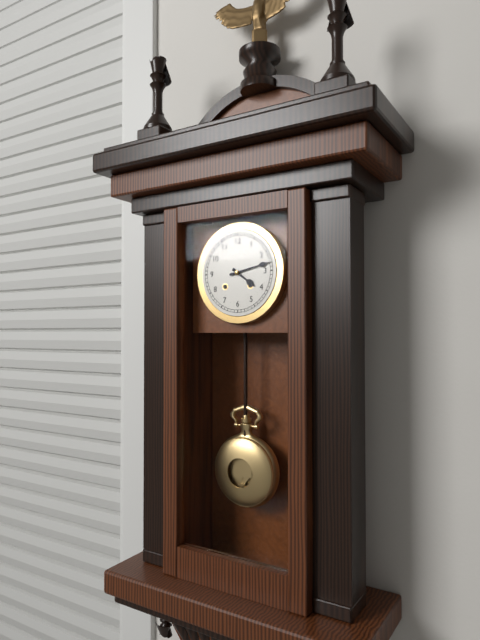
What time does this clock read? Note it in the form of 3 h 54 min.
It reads 4 h 13 min
